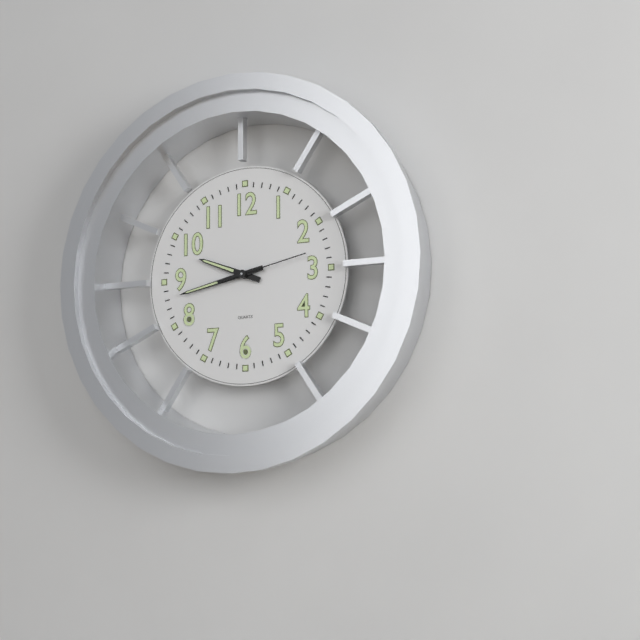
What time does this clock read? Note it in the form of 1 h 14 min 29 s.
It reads 9 h 43 min 13 s
